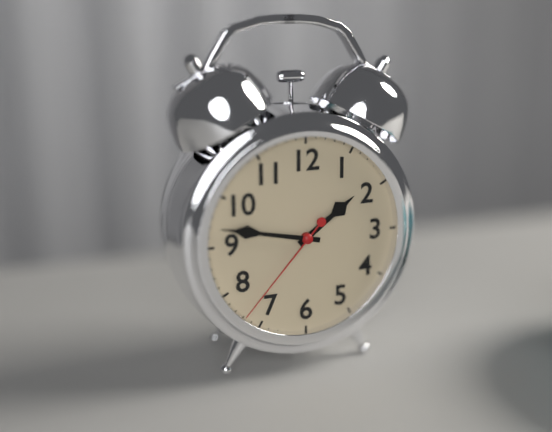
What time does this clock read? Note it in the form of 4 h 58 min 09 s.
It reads 1 h 47 min 37 s
